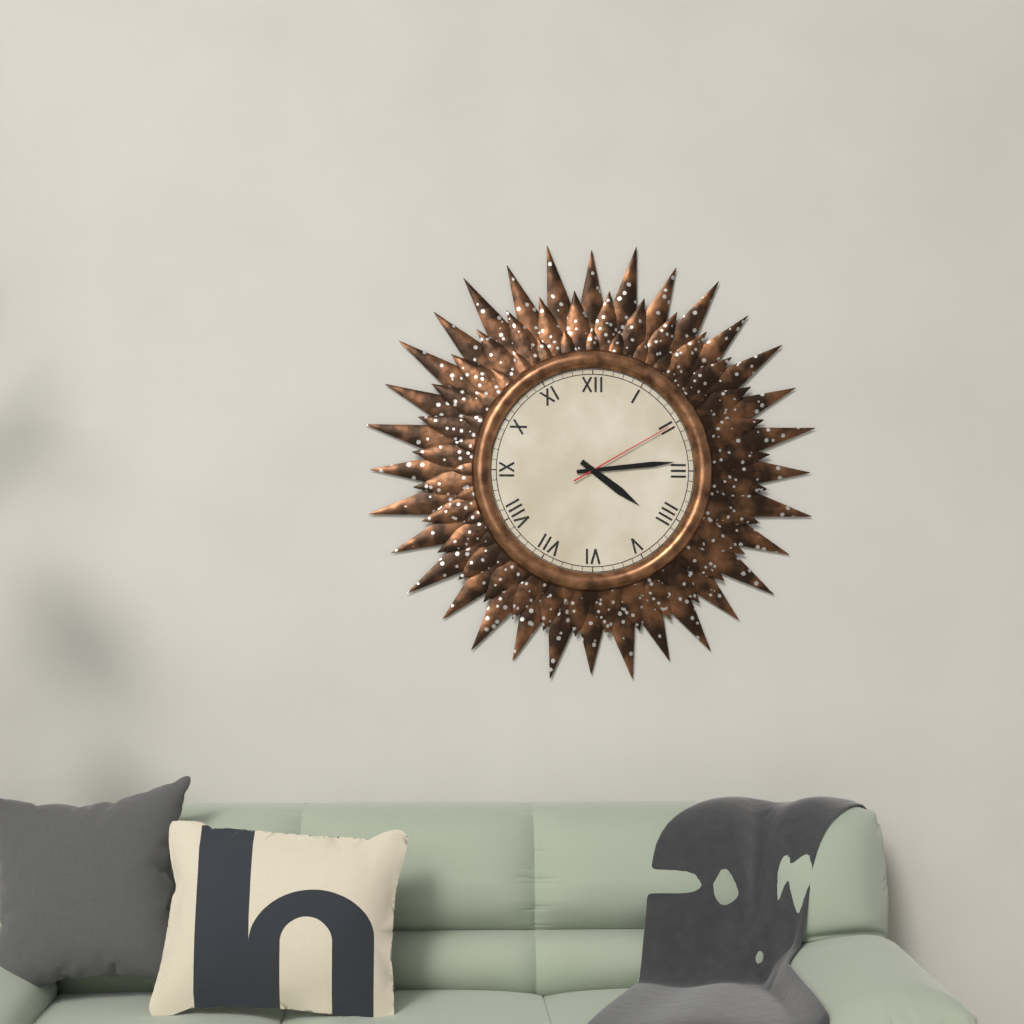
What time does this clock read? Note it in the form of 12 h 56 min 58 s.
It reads 4 h 14 min 10 s
